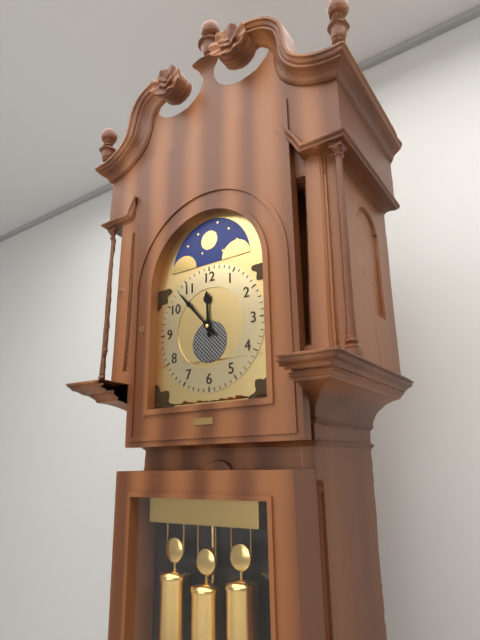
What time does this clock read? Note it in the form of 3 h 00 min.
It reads 11 h 53 min
